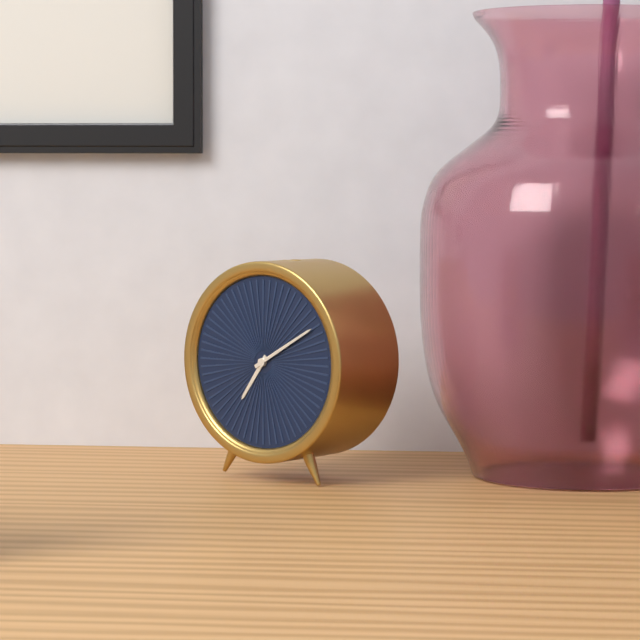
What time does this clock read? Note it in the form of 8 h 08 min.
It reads 7 h 10 min
